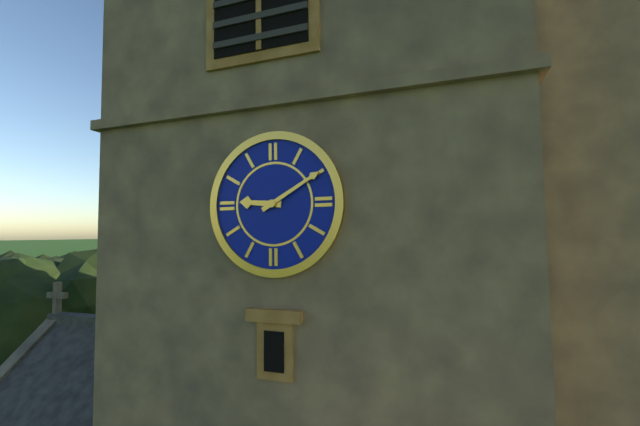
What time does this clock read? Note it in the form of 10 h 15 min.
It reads 9 h 10 min
